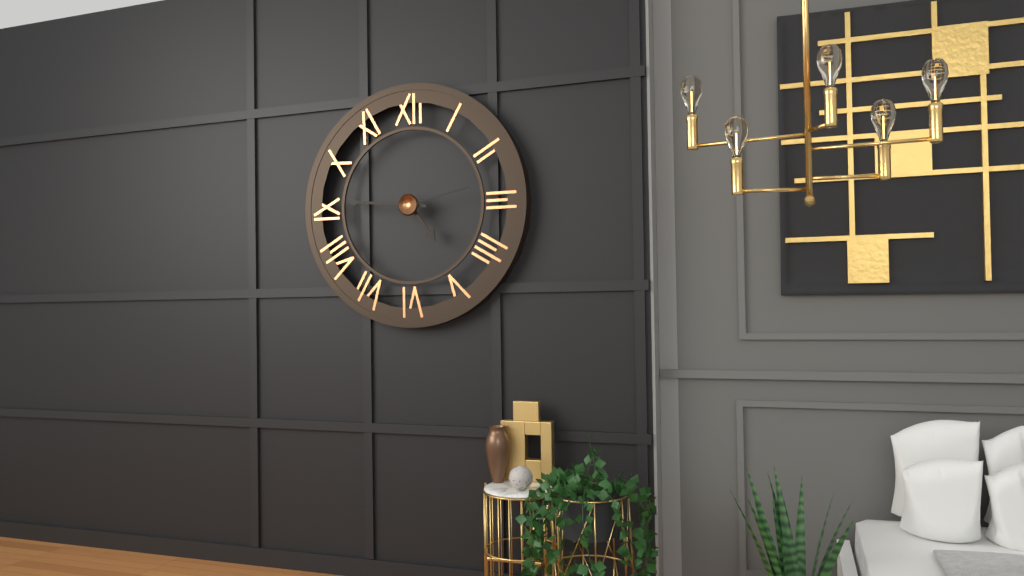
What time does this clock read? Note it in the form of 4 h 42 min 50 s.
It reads 4 h 46 min 13 s
